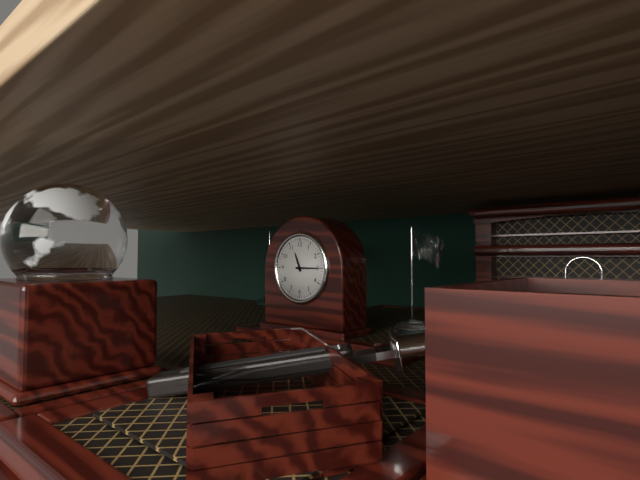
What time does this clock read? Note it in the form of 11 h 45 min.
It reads 11 h 15 min
